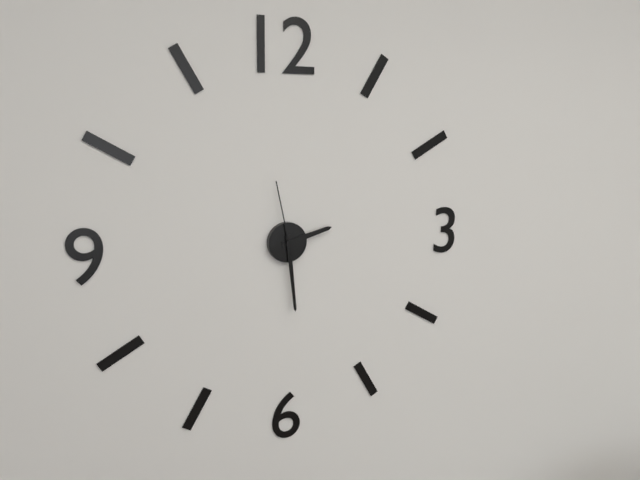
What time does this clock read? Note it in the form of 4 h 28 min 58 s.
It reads 2 h 29 min 58 s
